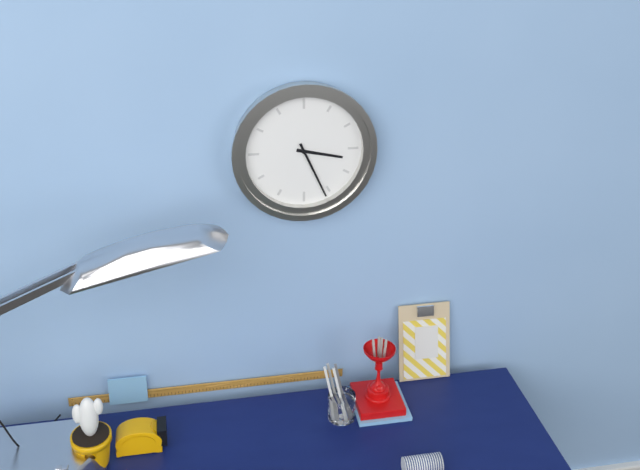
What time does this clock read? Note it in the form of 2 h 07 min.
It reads 3 h 26 min
